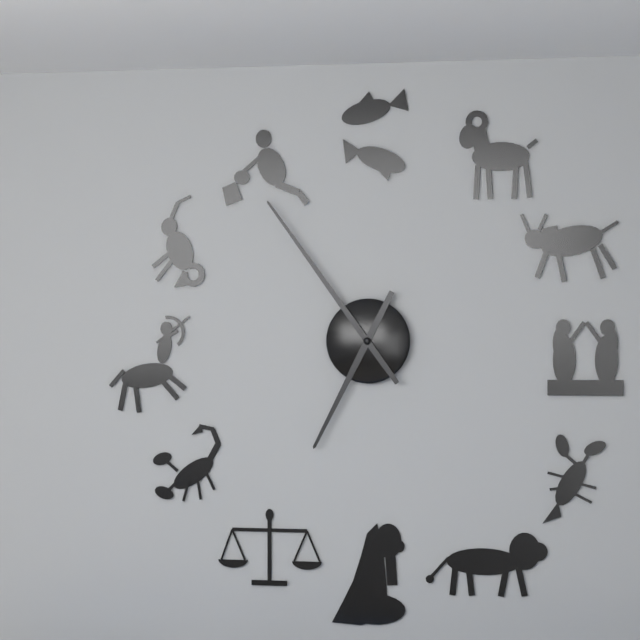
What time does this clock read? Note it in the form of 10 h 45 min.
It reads 6 h 54 min
